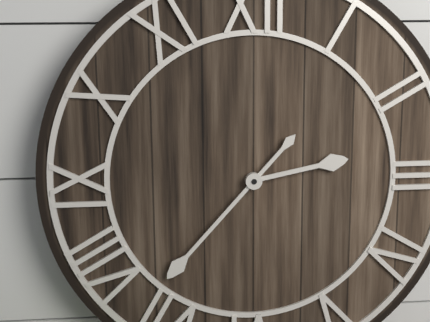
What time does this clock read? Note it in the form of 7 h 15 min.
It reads 2 h 37 min
